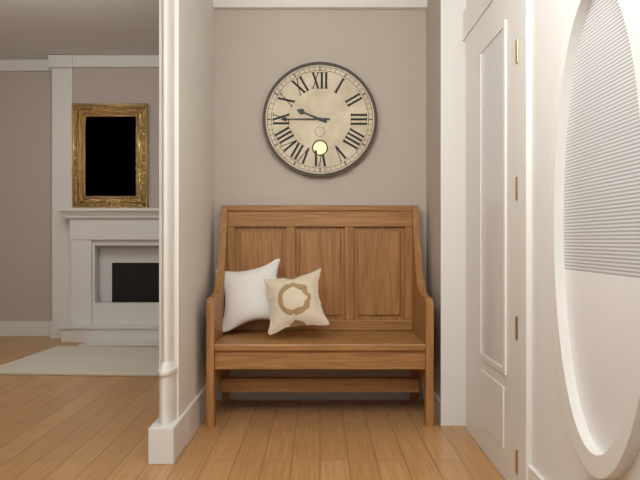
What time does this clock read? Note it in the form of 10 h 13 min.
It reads 9 h 45 min
